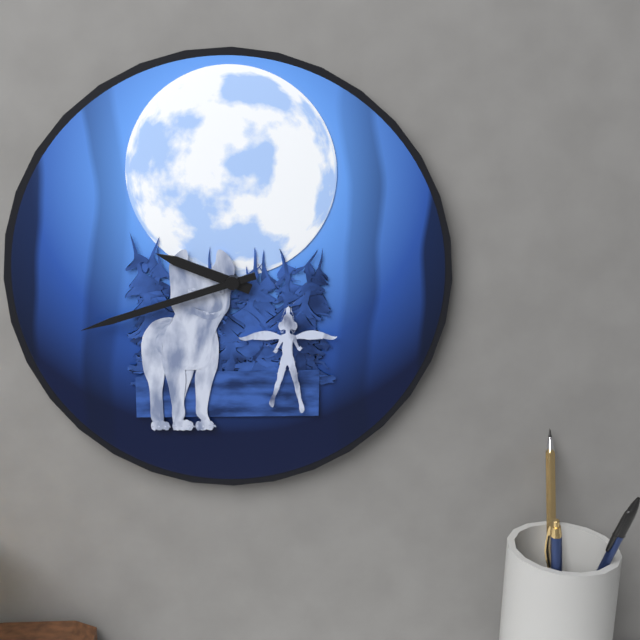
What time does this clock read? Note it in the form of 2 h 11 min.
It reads 9 h 42 min
